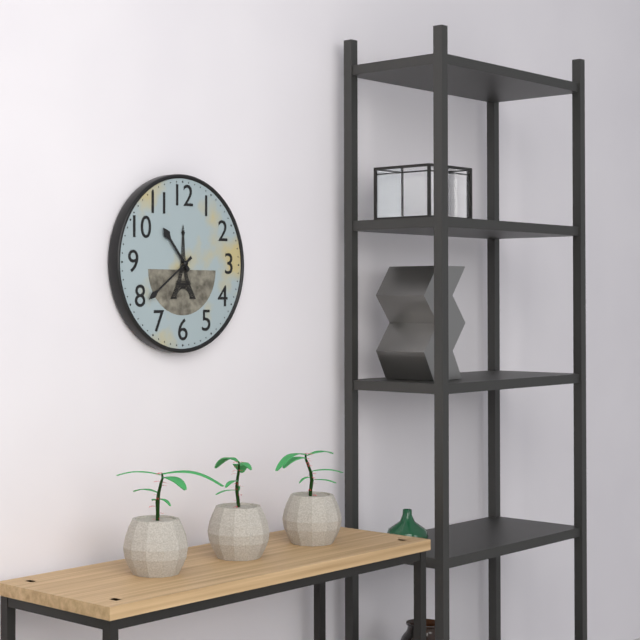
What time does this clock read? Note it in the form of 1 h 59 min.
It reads 10 h 39 min
